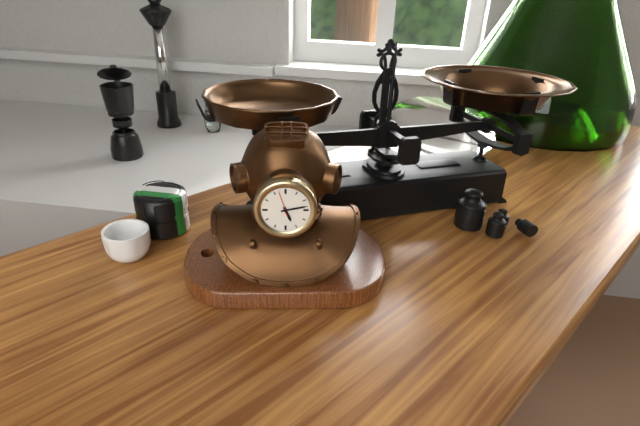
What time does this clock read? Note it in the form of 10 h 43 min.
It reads 5 h 13 min
